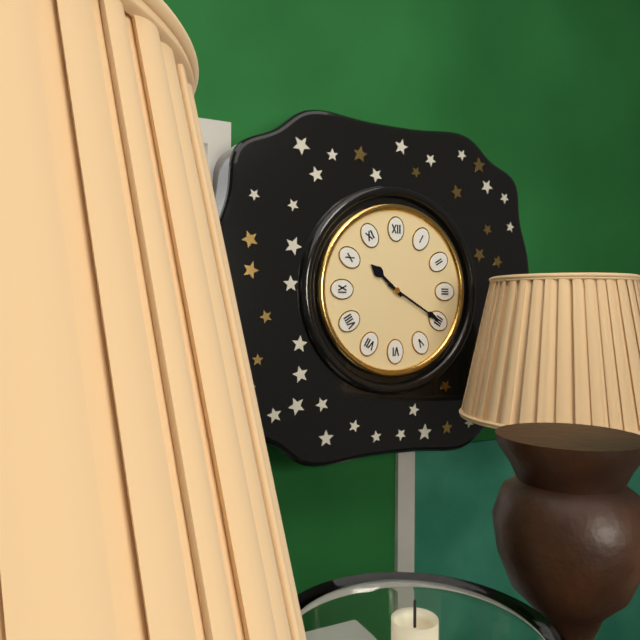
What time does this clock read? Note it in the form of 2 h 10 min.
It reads 10 h 20 min
